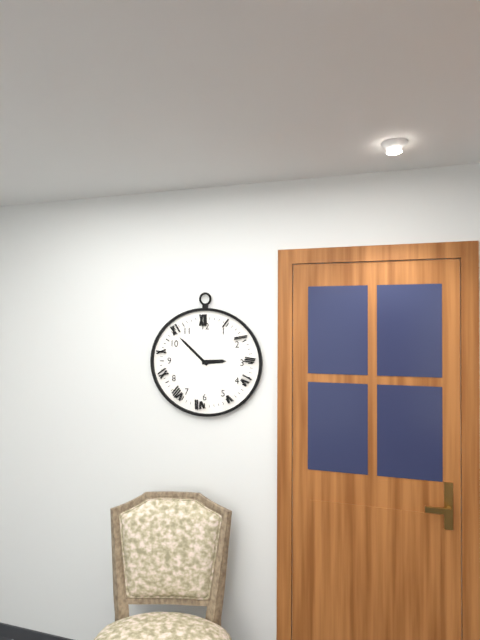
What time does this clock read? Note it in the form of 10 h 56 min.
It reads 2 h 52 min
